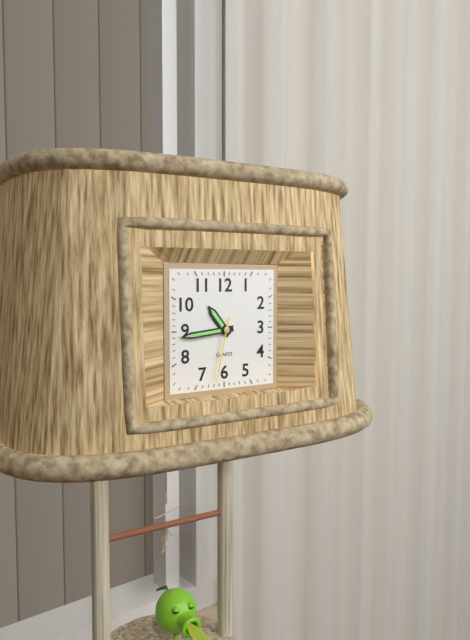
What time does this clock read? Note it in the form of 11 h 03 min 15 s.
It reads 10 h 44 min 32 s
